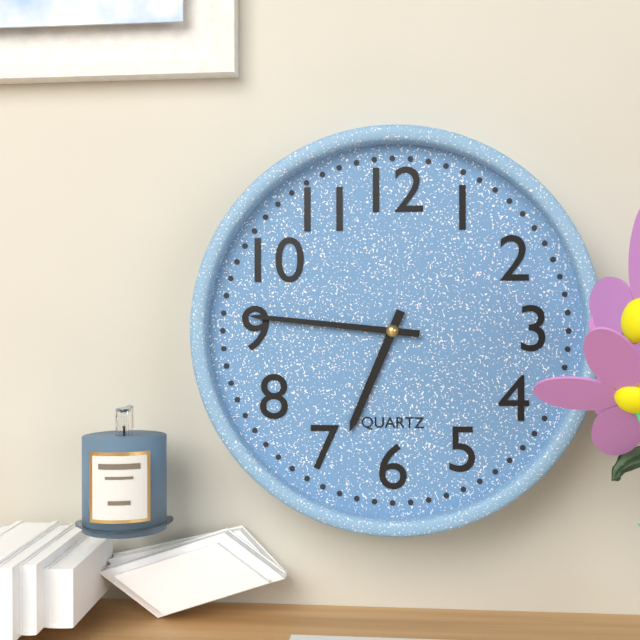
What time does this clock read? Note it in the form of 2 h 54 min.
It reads 6 h 46 min
